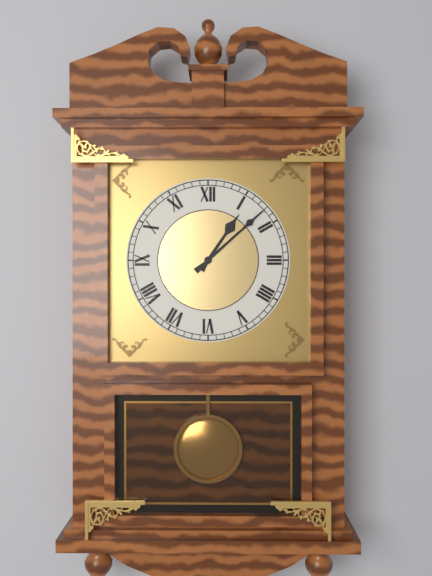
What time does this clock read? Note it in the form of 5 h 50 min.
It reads 1 h 08 min
